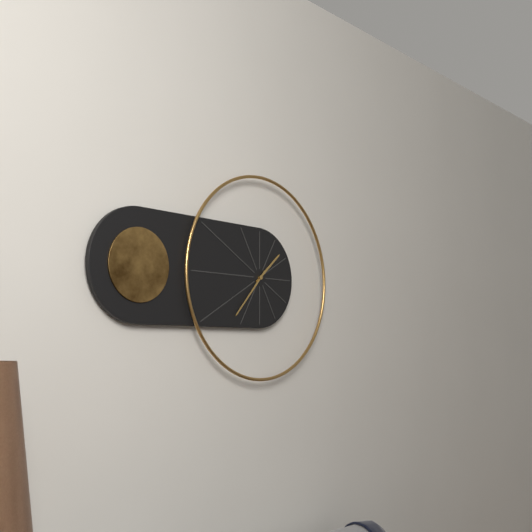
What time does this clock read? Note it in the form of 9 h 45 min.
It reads 1 h 37 min
